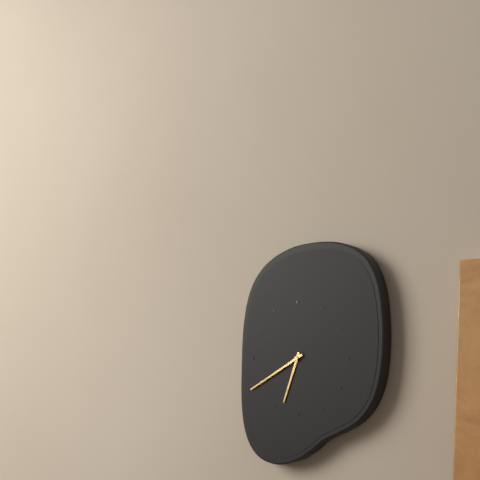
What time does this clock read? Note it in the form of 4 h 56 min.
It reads 6 h 40 min
